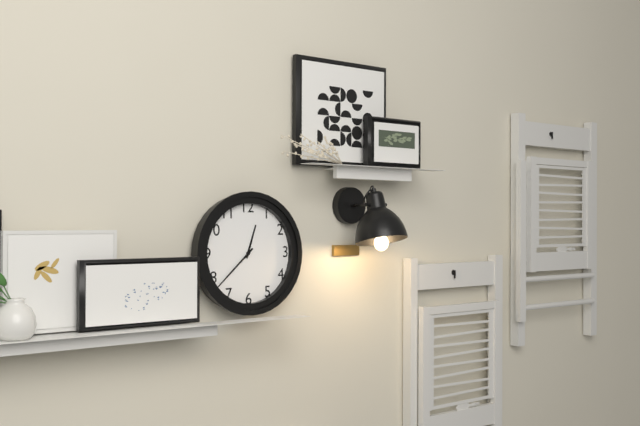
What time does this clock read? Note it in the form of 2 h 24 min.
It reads 12 h 38 min
